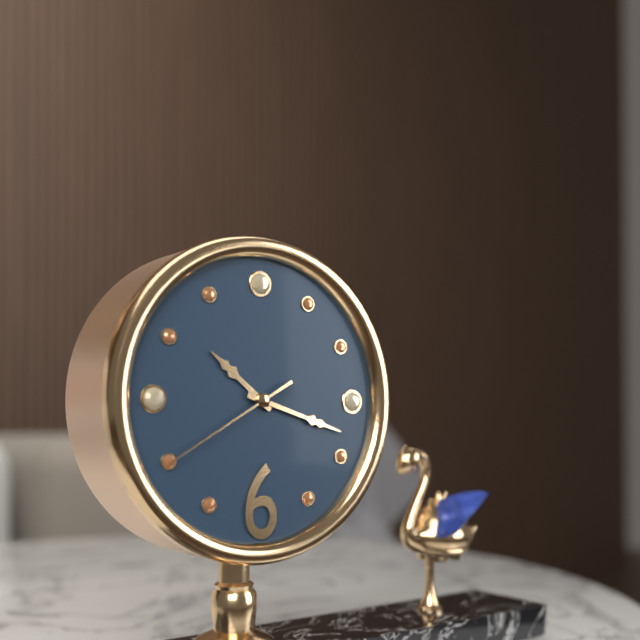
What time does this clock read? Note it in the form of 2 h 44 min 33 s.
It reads 10 h 18 min 40 s
